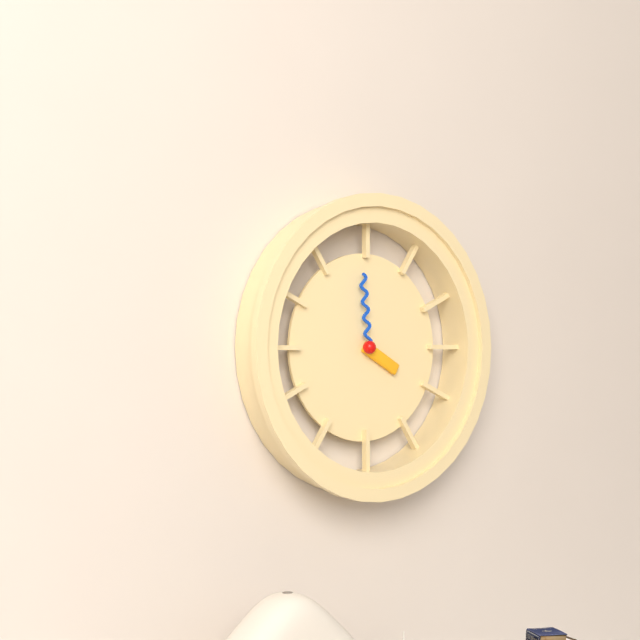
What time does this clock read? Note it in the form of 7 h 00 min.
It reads 3 h 59 min
